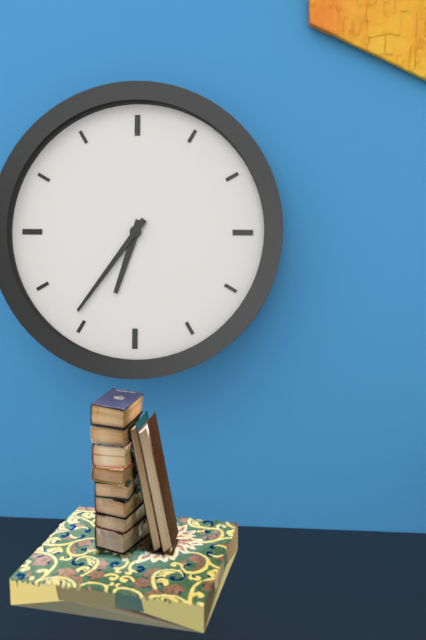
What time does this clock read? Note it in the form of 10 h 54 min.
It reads 6 h 36 min
